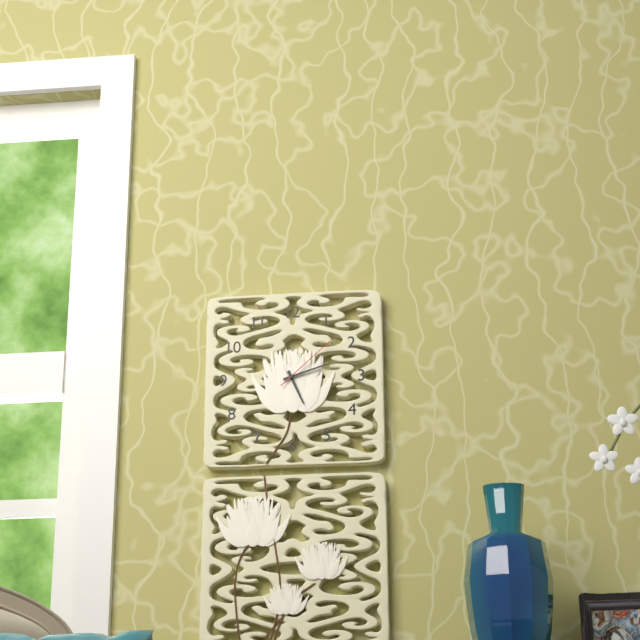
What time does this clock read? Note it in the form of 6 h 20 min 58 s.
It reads 5 h 12 min 08 s
